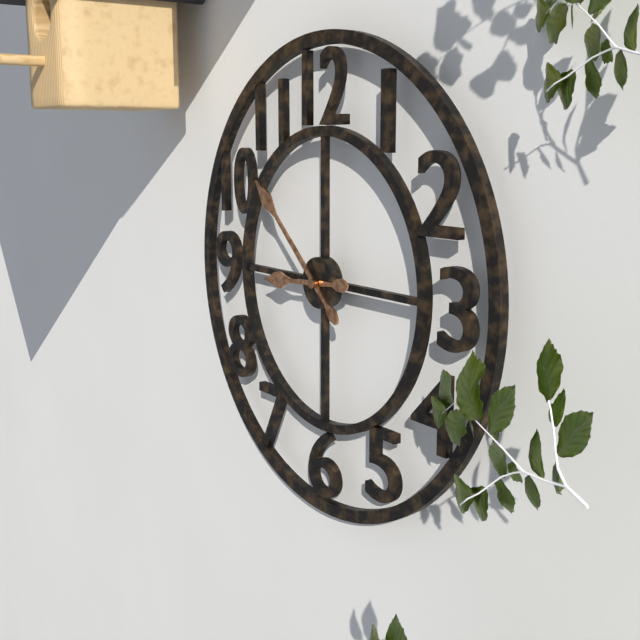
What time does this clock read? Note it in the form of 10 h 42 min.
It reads 8 h 52 min
